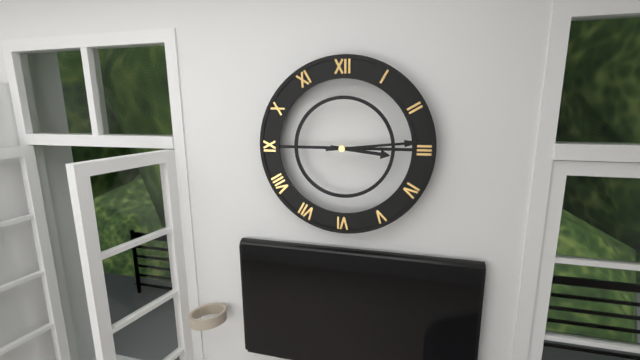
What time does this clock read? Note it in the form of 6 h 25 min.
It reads 3 h 14 min
